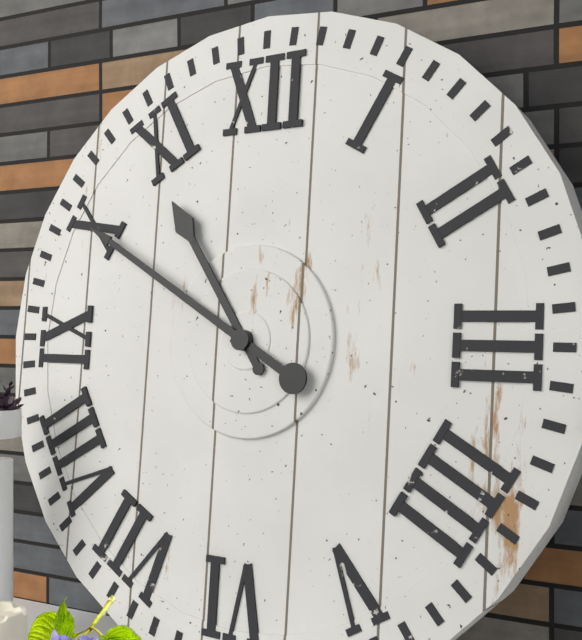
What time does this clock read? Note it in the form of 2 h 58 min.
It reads 10 h 50 min
